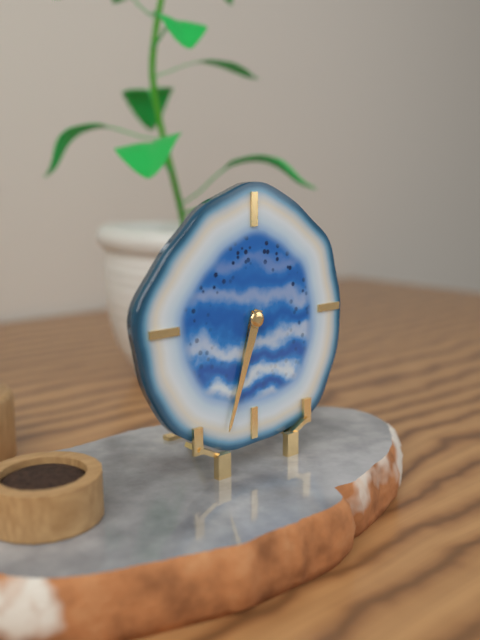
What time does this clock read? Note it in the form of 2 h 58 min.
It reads 6 h 33 min
